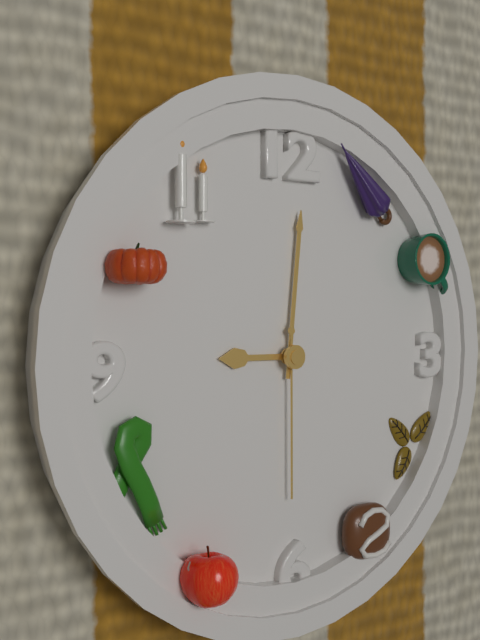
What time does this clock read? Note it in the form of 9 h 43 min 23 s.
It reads 9 h 01 min 30 s
